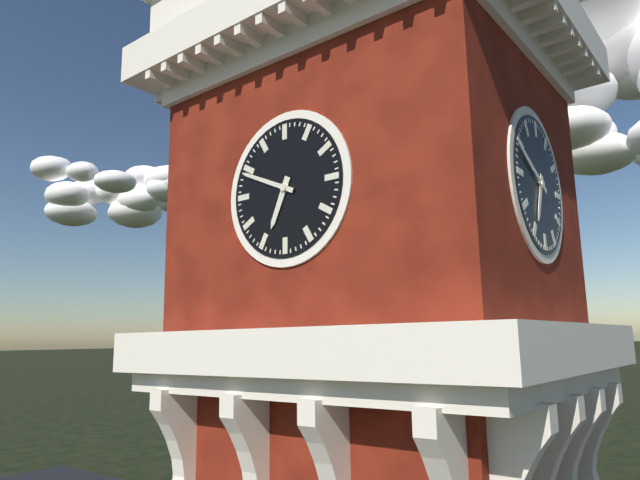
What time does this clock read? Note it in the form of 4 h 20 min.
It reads 6 h 49 min
